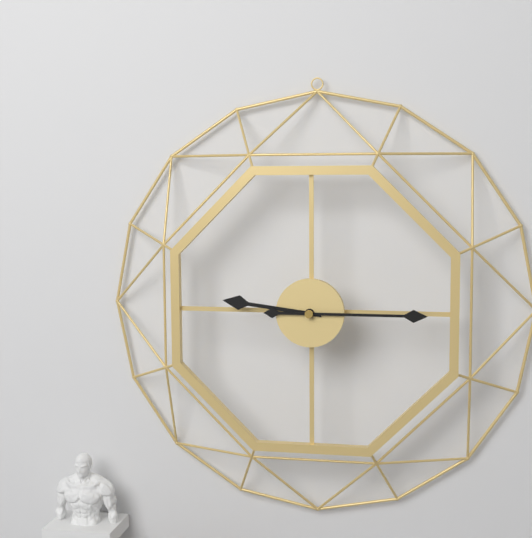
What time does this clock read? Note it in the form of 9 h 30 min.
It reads 9 h 15 min
